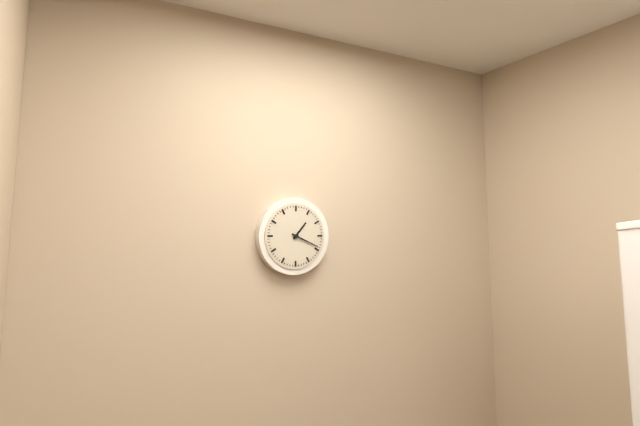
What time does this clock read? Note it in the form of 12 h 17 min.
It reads 1 h 19 min
